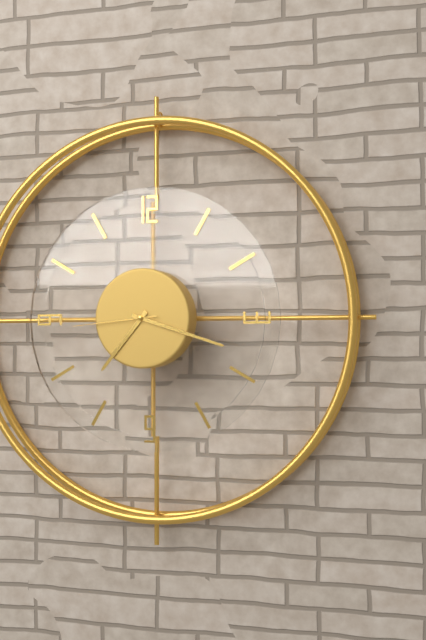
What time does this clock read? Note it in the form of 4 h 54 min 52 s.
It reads 7 h 18 min 44 s
